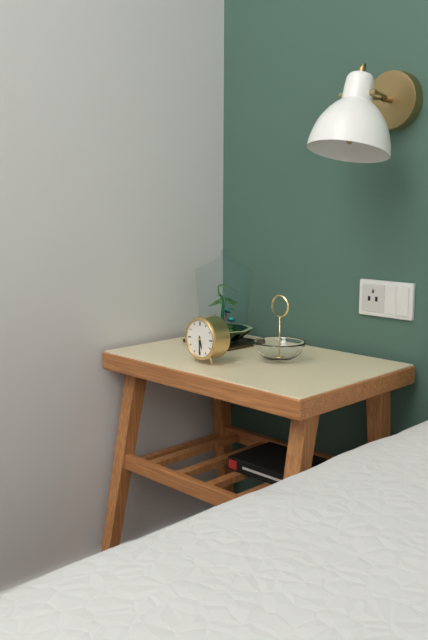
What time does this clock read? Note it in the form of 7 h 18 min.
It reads 5 h 30 min
